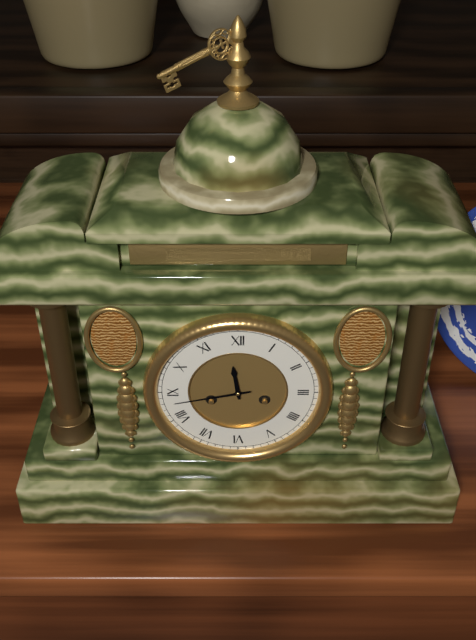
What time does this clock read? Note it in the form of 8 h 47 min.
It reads 11 h 43 min
